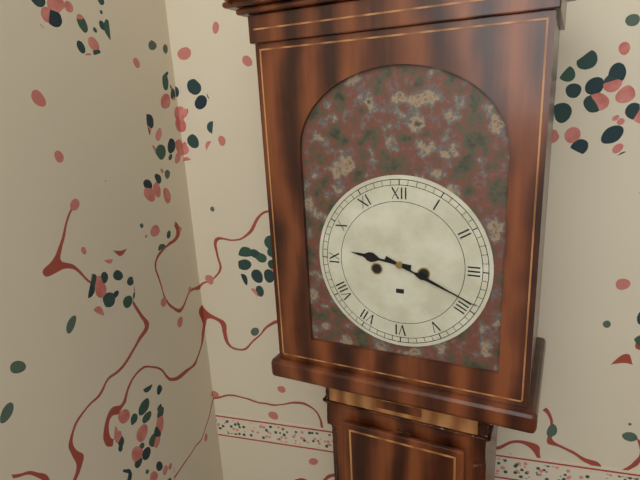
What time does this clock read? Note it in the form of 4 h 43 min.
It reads 9 h 19 min
